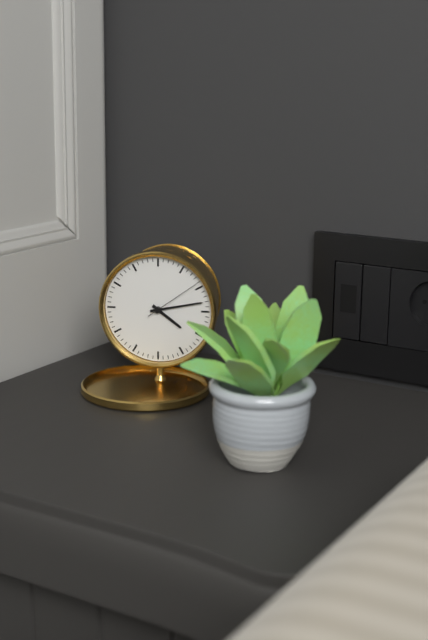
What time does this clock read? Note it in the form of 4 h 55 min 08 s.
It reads 4 h 13 min 09 s
